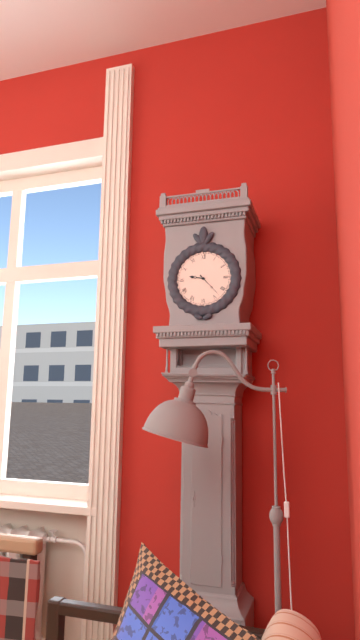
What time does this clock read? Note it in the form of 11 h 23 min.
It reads 9 h 23 min
